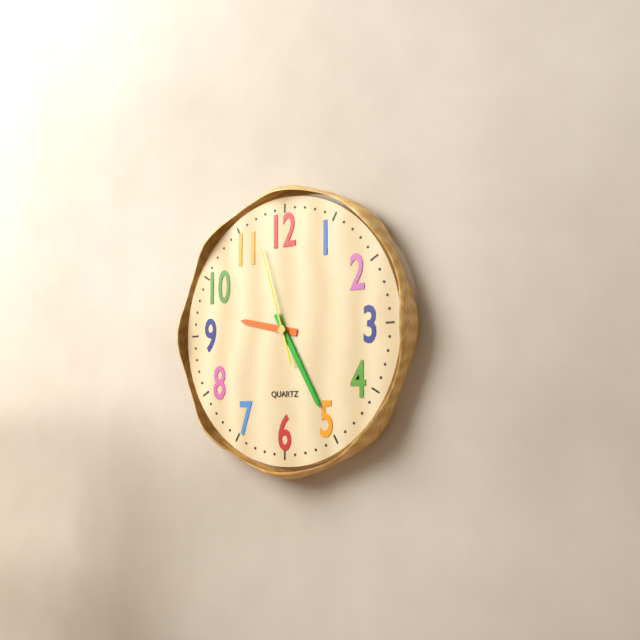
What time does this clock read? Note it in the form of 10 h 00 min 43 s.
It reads 9 h 25 min 57 s
